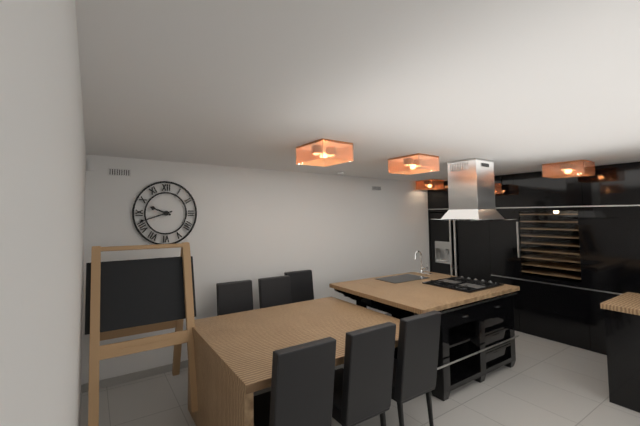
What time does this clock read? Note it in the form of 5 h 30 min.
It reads 9 h 42 min
